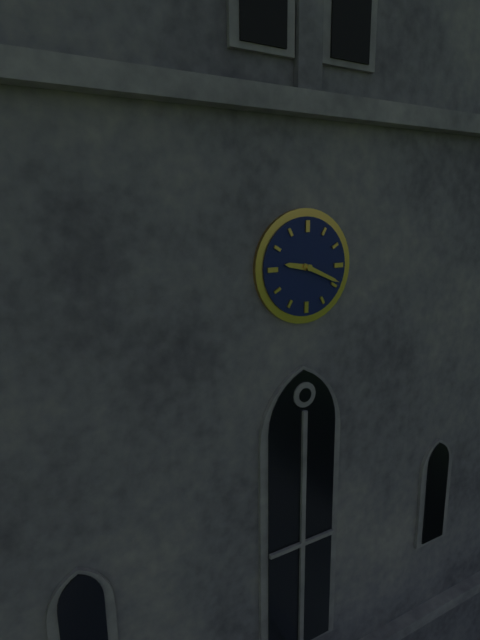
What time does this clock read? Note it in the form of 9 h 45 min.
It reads 9 h 19 min
